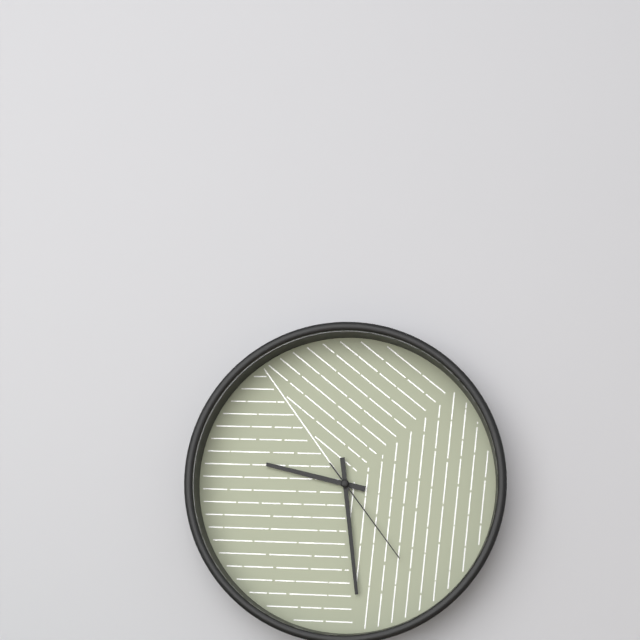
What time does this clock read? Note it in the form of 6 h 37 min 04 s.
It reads 9 h 29 min 24 s
